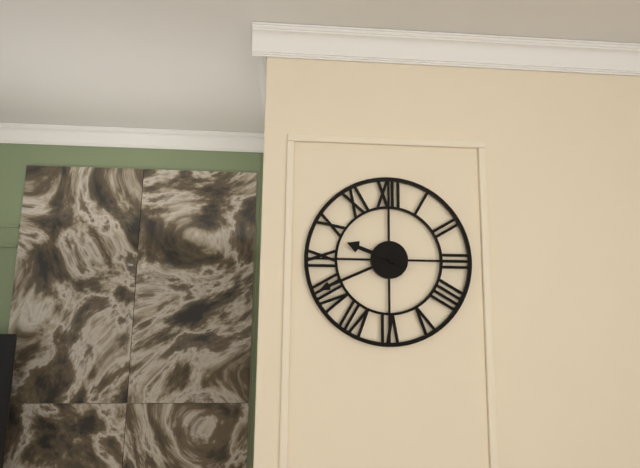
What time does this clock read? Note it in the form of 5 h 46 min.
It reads 9 h 41 min
